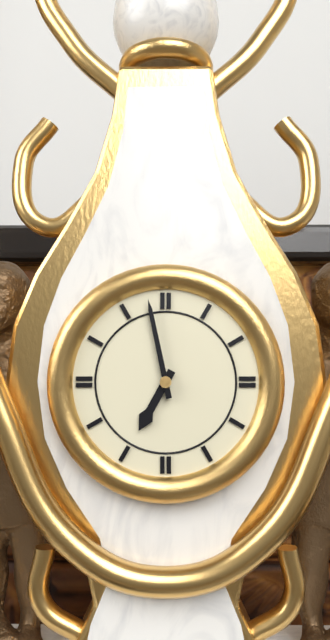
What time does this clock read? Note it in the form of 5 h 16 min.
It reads 6 h 58 min
